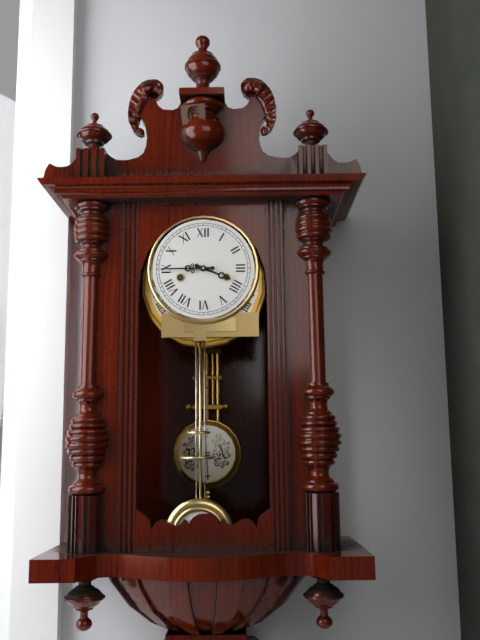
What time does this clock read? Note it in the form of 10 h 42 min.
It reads 3 h 45 min
